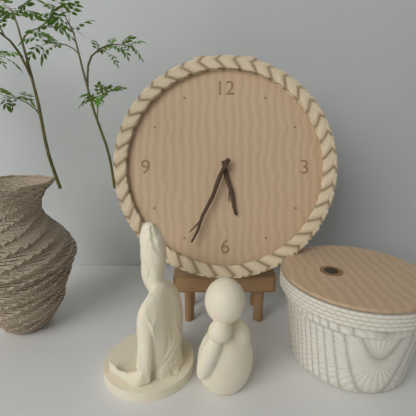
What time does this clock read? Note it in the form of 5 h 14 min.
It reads 5 h 34 min
